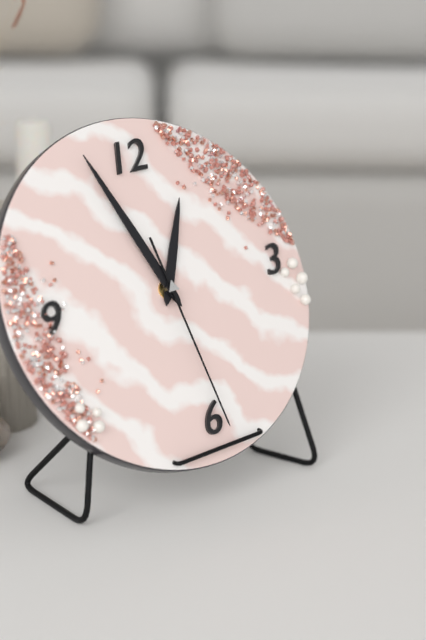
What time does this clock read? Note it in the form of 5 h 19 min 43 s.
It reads 12 h 57 min 29 s
